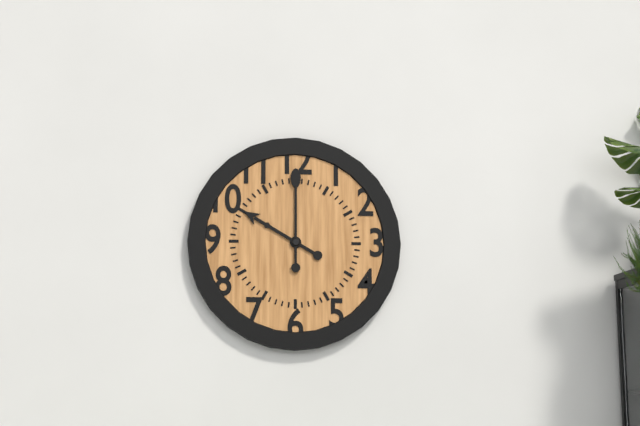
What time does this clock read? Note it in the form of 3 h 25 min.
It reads 10 h 00 min
